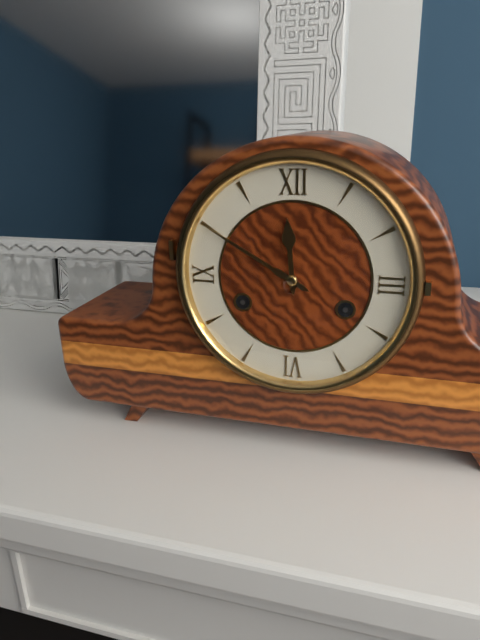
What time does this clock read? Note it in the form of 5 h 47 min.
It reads 11 h 50 min
